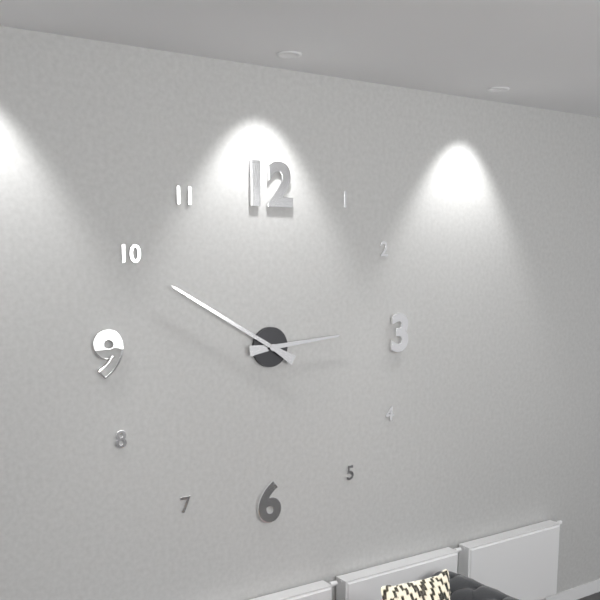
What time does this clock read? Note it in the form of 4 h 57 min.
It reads 2 h 50 min
